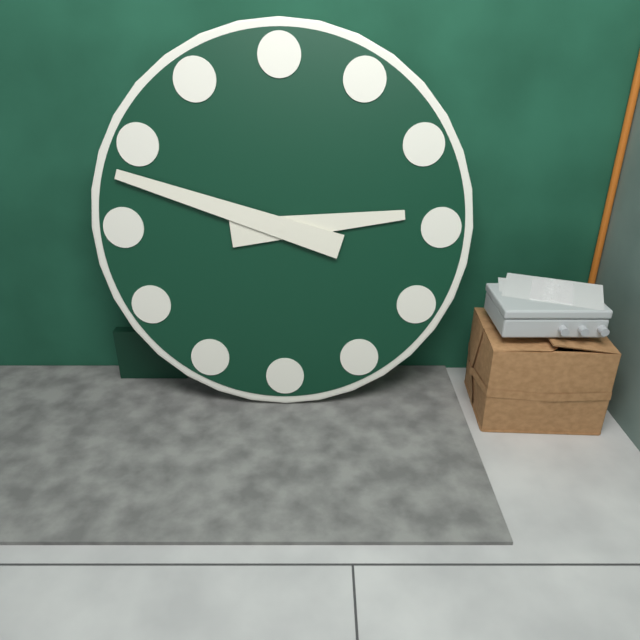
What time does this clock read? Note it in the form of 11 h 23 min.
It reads 2 h 48 min
